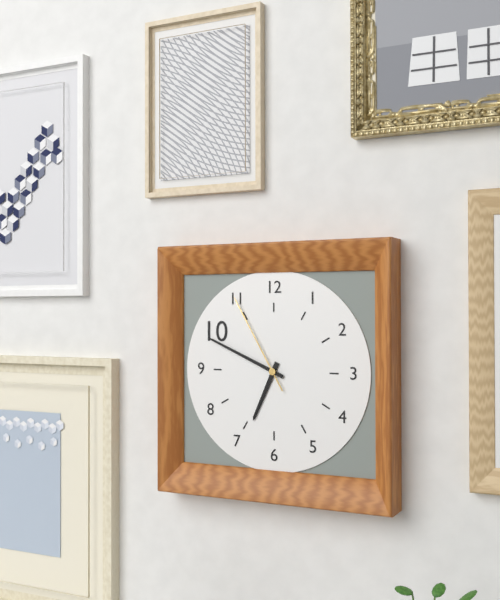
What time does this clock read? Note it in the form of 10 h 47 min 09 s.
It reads 6 h 49 min 55 s
